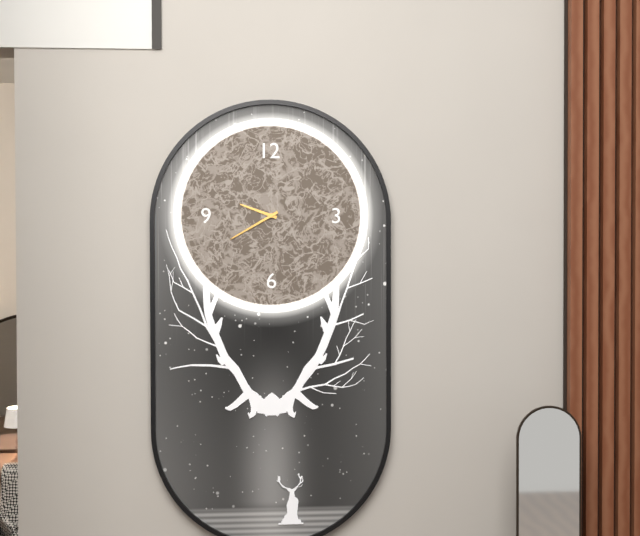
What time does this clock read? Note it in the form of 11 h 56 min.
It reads 9 h 40 min
